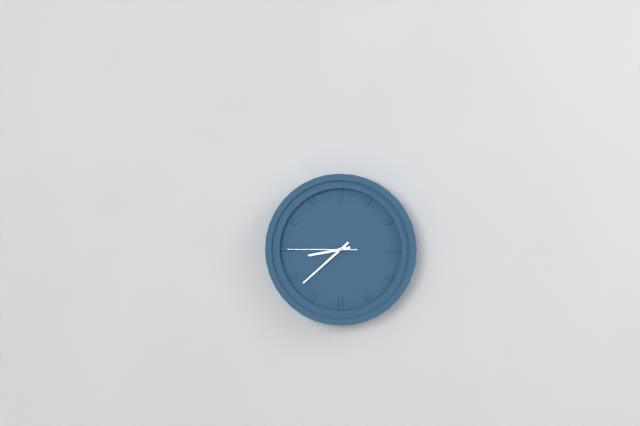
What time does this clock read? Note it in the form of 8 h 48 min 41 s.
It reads 8 h 38 min 45 s
